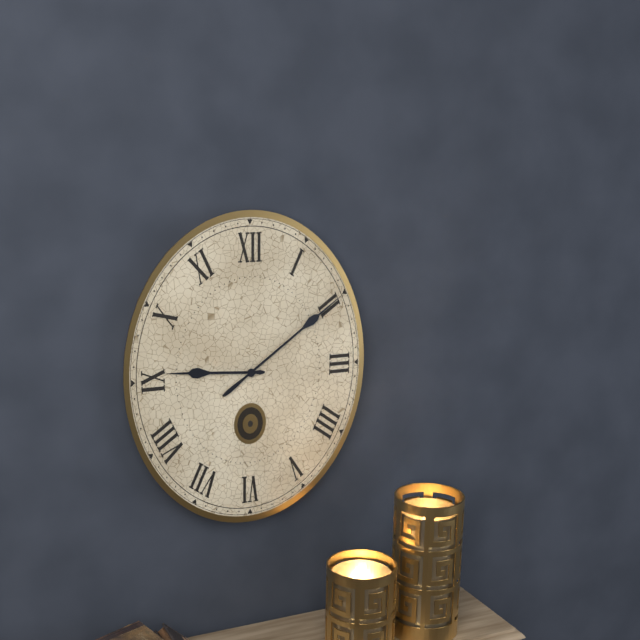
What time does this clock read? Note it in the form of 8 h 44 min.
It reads 9 h 09 min
